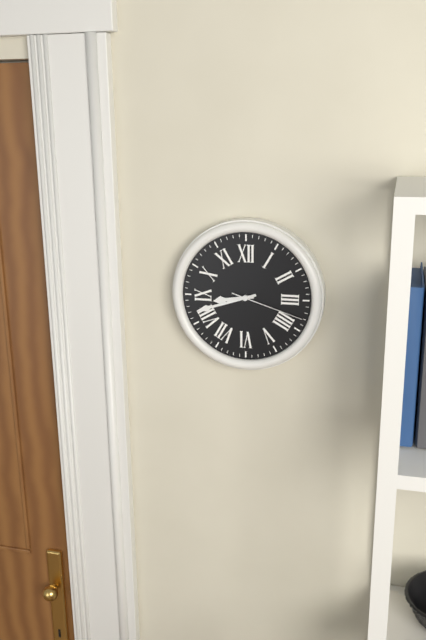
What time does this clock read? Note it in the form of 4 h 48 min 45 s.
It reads 8 h 42 min 18 s
